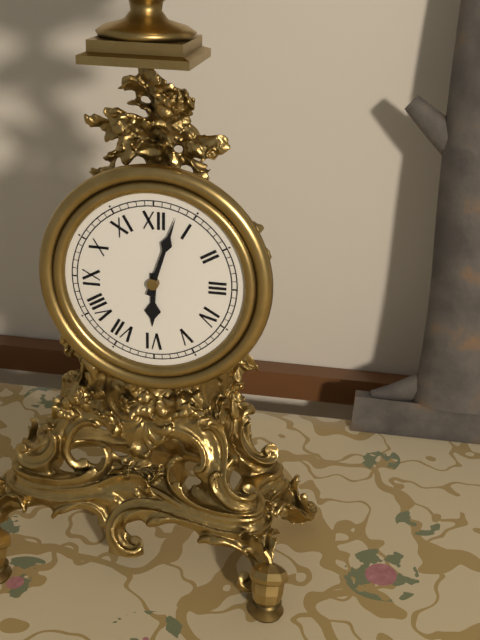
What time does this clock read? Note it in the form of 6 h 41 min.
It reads 6 h 03 min
